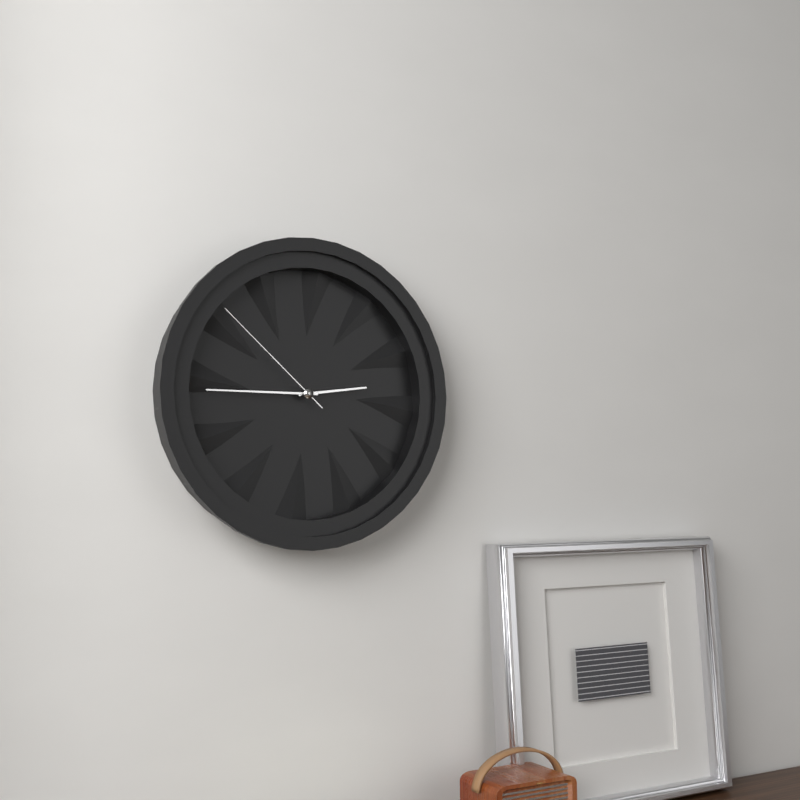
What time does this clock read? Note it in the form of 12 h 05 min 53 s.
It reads 2 h 45 min 52 s
